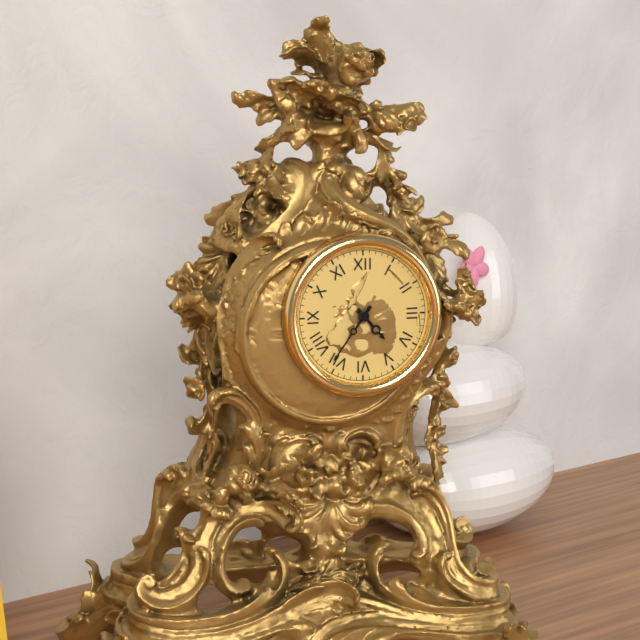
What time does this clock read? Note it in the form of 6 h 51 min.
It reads 4 h 36 min
